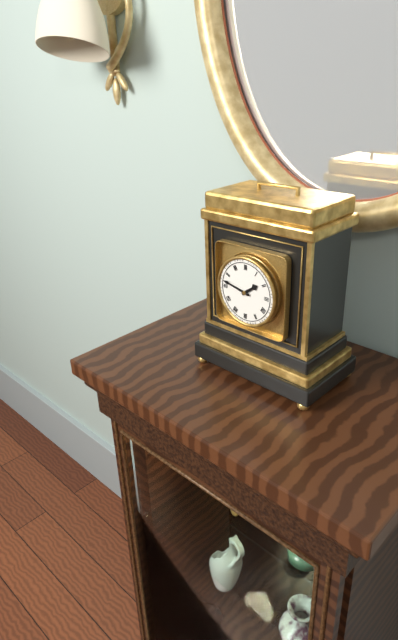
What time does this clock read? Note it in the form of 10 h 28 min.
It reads 1 h 47 min
